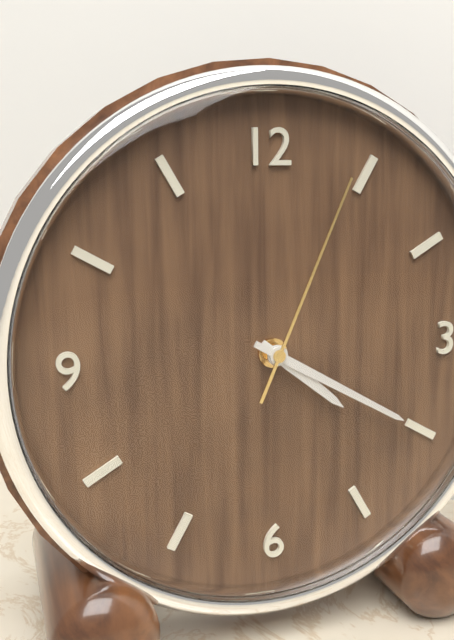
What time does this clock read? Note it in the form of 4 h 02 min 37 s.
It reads 4 h 20 min 04 s
